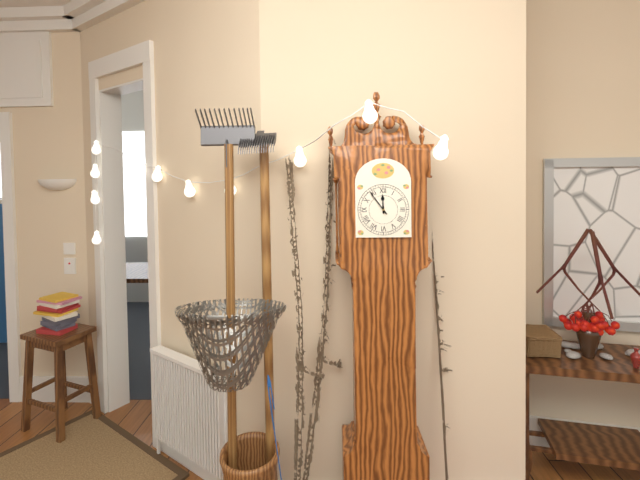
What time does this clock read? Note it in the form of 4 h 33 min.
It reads 11 h 54 min
